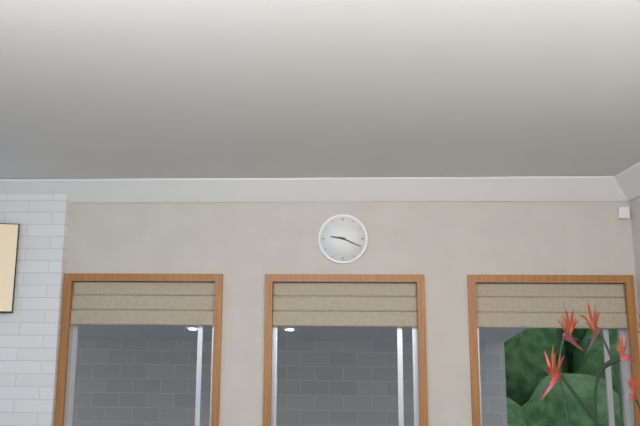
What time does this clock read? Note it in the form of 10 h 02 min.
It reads 9 h 19 min
